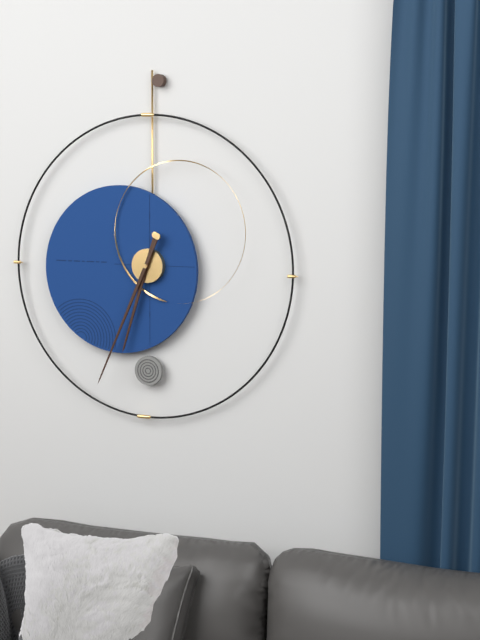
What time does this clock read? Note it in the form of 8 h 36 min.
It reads 6 h 34 min
